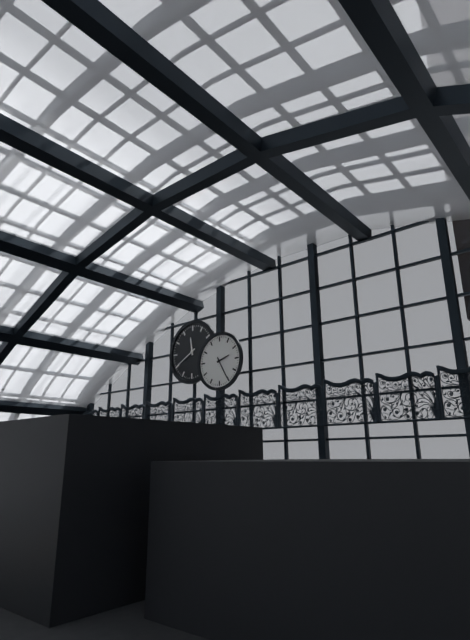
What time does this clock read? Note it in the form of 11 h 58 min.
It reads 2 h 25 min
